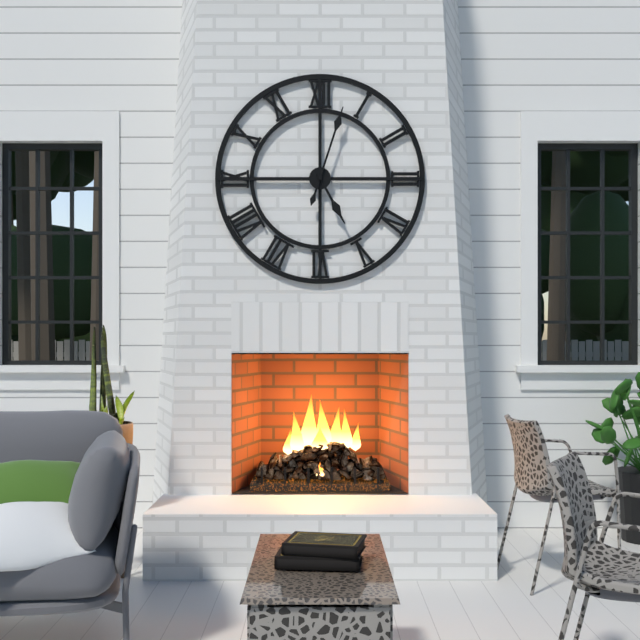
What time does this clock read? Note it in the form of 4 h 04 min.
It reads 5 h 03 min
